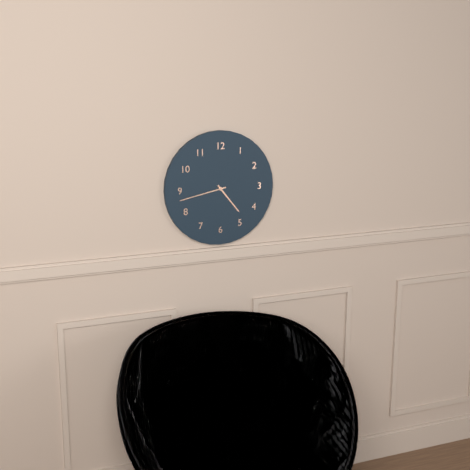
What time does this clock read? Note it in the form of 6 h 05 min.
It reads 4 h 43 min
